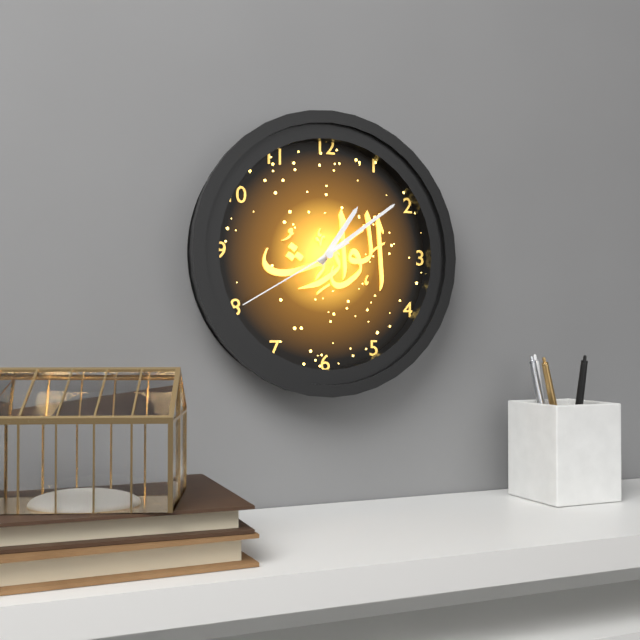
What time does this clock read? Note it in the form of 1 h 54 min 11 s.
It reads 1 h 09 min 40 s
